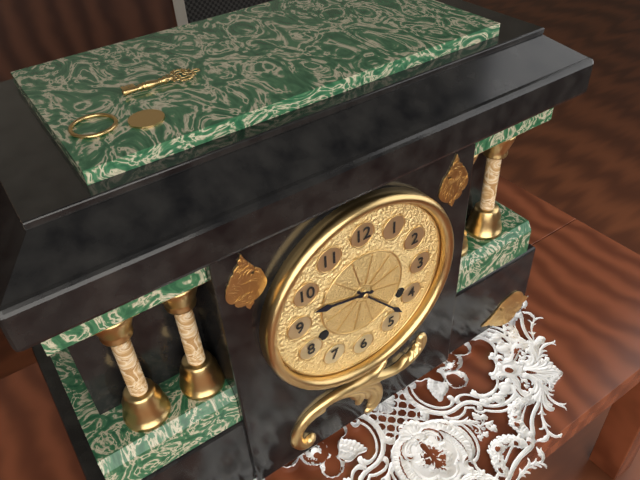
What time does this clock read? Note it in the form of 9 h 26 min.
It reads 9 h 23 min
